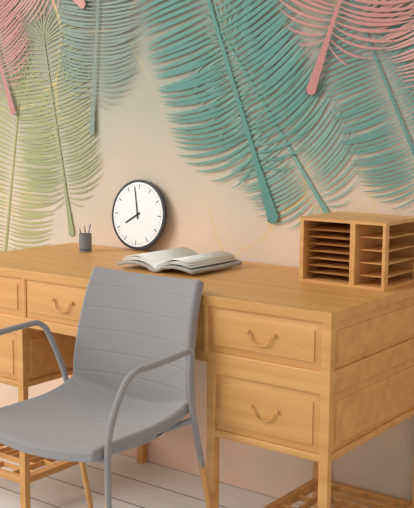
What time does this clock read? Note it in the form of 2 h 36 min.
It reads 7 h 58 min
